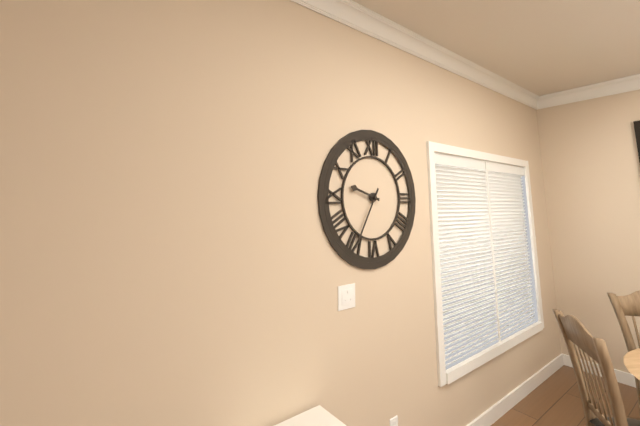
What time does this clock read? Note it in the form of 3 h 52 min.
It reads 9 h 35 min
